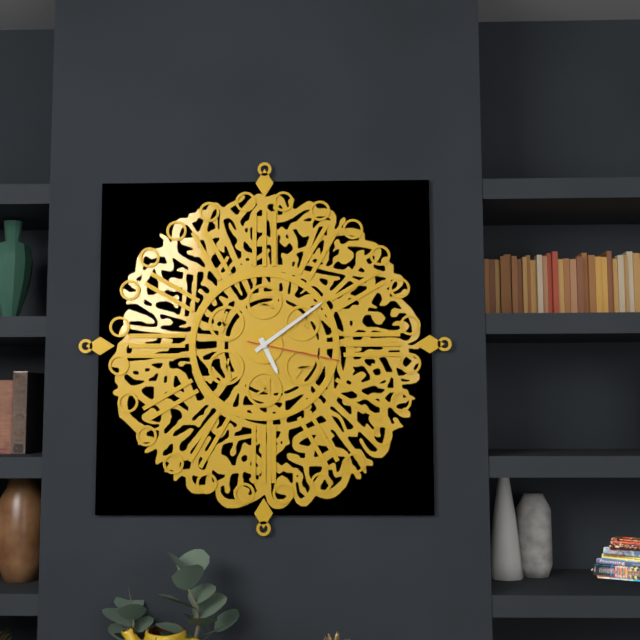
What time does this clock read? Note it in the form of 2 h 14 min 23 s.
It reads 5 h 09 min 17 s
